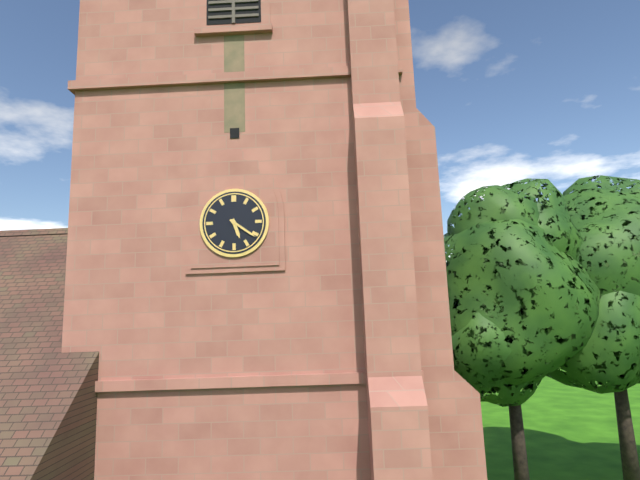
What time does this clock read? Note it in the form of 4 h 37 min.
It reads 5 h 21 min
